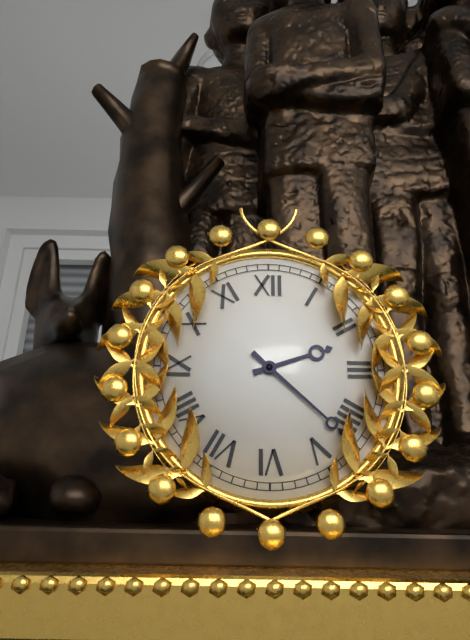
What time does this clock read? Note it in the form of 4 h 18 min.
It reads 2 h 22 min
